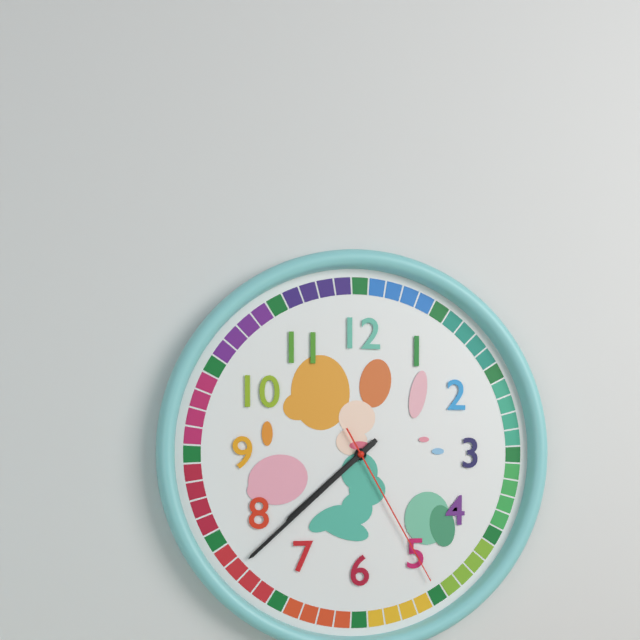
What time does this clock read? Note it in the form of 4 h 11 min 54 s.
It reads 7 h 38 min 25 s
